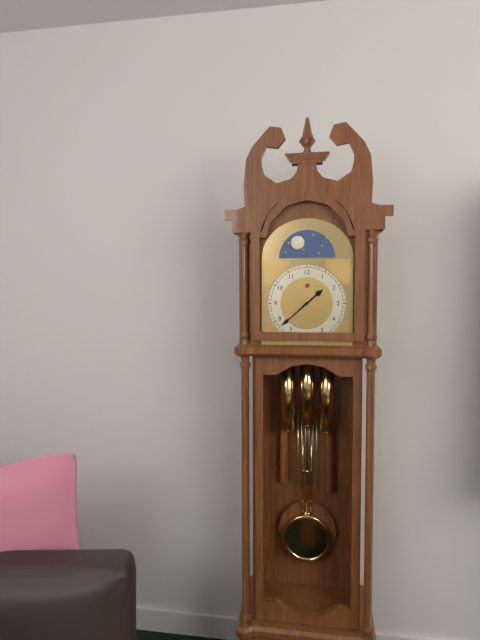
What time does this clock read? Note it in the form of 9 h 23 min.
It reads 1 h 38 min
